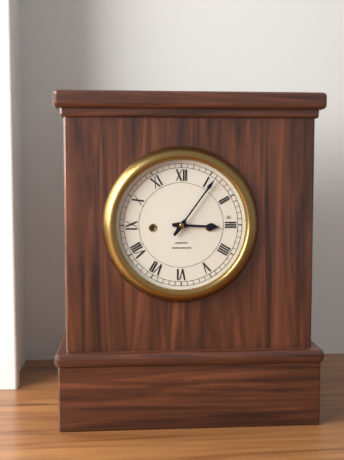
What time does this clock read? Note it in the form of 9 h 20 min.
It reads 3 h 06 min
